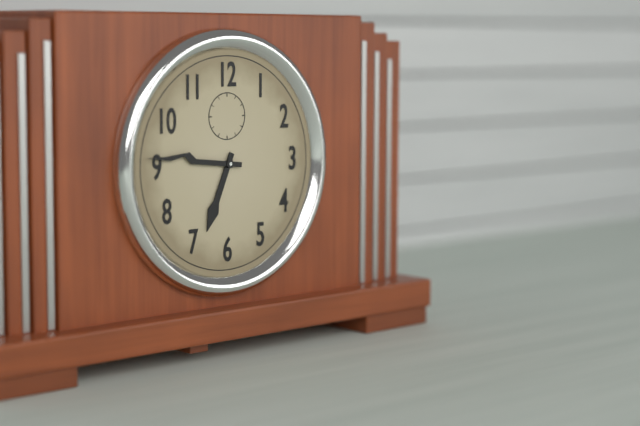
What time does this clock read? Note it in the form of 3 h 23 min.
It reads 6 h 46 min
